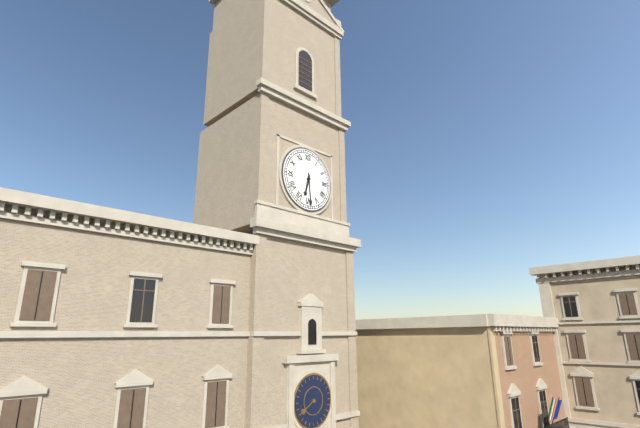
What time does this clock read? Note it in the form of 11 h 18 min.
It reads 6 h 29 min
